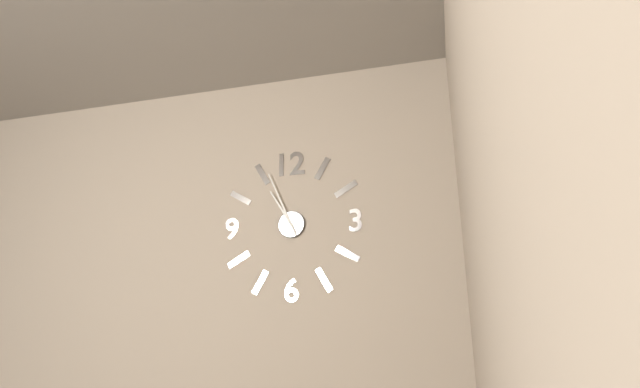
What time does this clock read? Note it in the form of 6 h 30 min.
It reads 10 h 56 min
